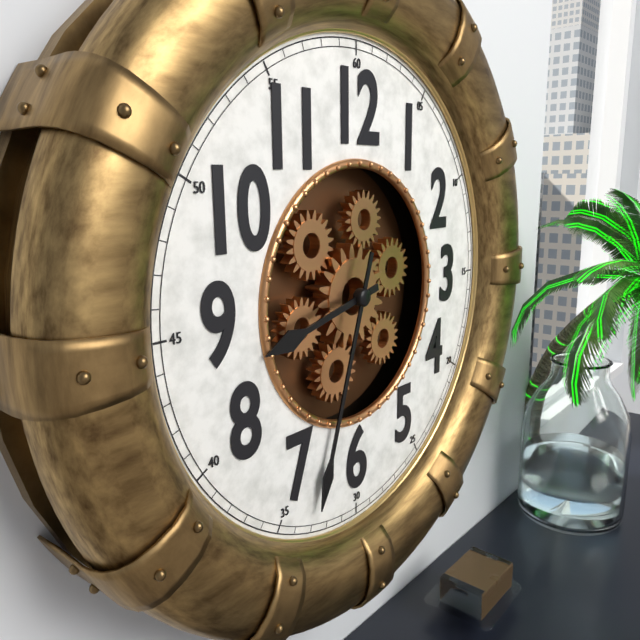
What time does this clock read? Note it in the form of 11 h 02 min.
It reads 8 h 33 min
